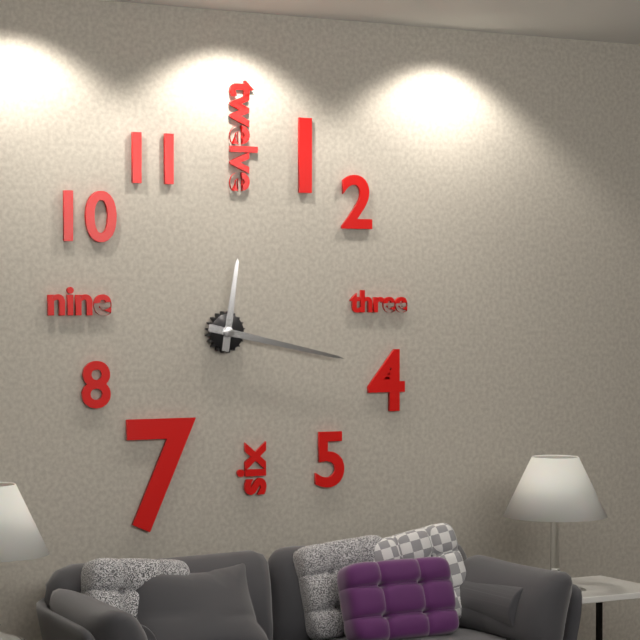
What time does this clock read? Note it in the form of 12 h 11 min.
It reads 12 h 17 min
